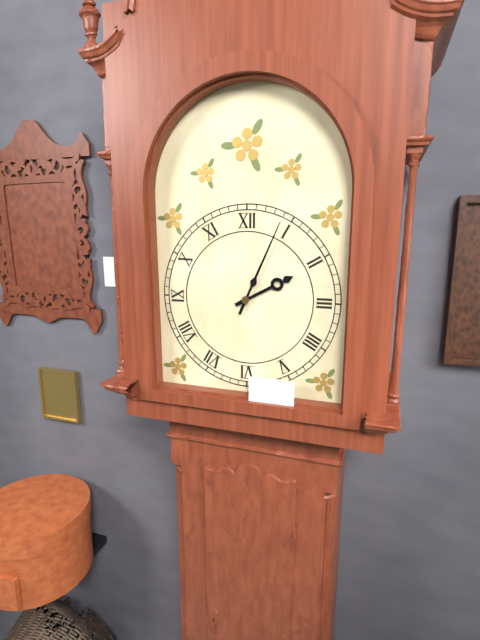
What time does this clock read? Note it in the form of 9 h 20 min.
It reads 2 h 04 min
